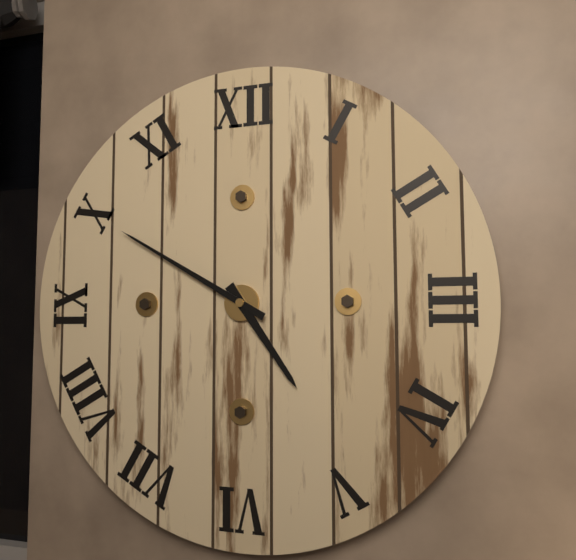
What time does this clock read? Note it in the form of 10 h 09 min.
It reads 4 h 50 min
